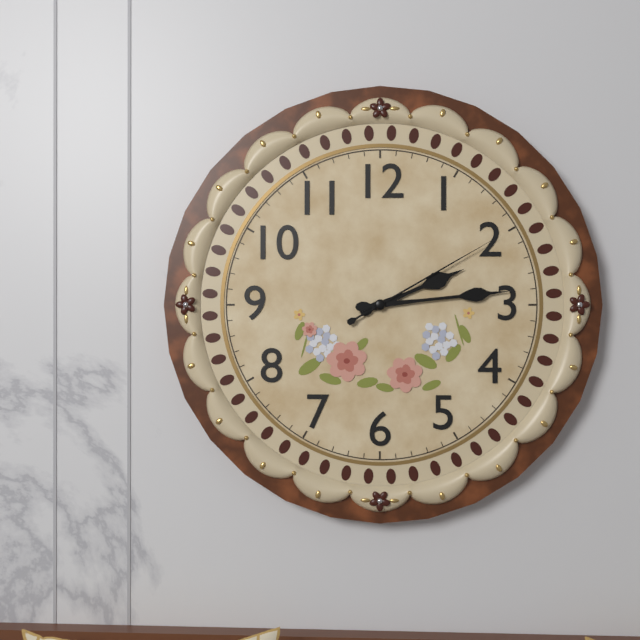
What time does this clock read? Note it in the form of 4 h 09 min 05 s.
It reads 2 h 14 min 10 s
